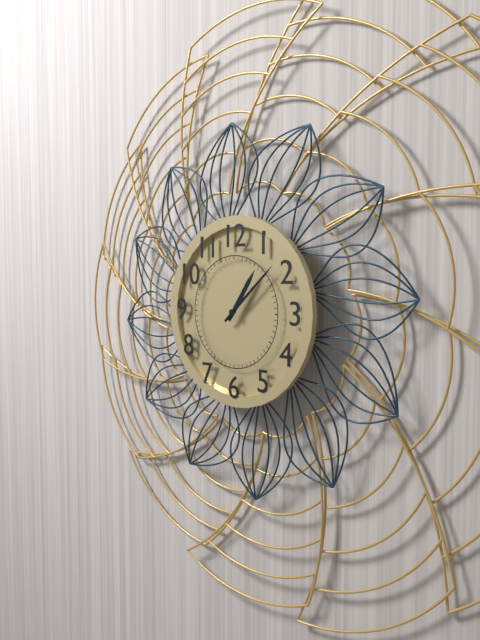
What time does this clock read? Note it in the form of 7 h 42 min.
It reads 1 h 08 min
